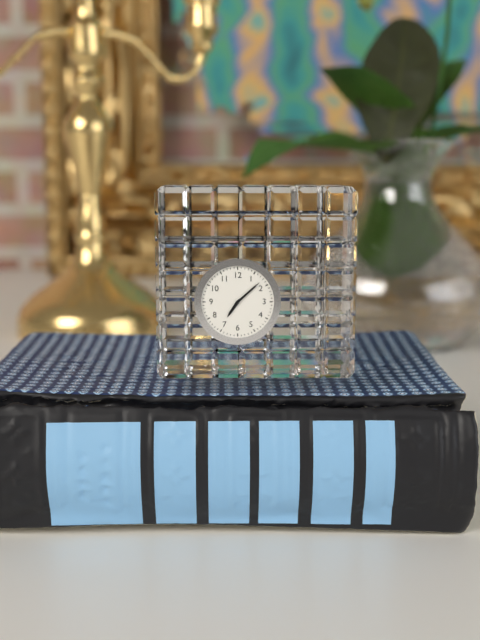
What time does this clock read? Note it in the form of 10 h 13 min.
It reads 7 h 08 min
